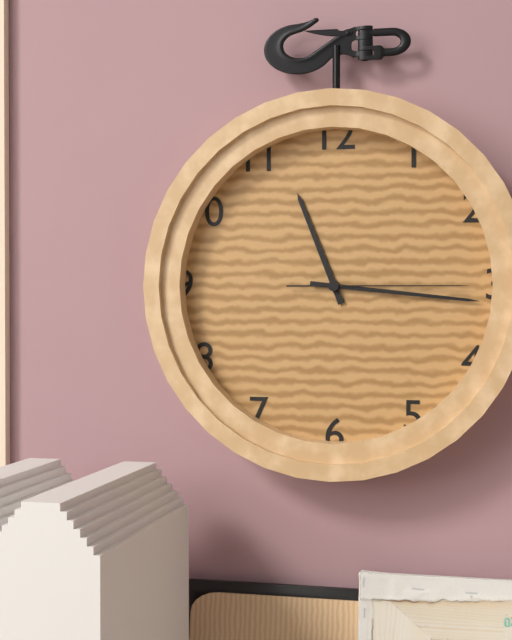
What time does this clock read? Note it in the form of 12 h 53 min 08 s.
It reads 11 h 16 min 15 s
